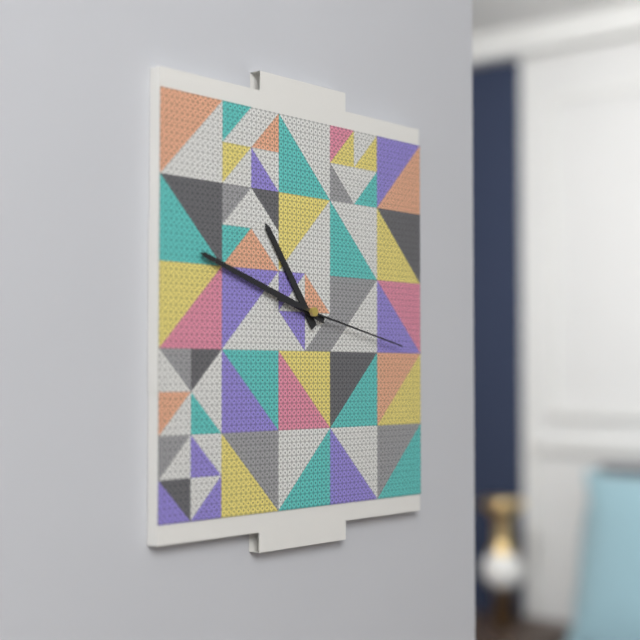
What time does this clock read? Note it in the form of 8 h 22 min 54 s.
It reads 10 h 48 min 17 s
